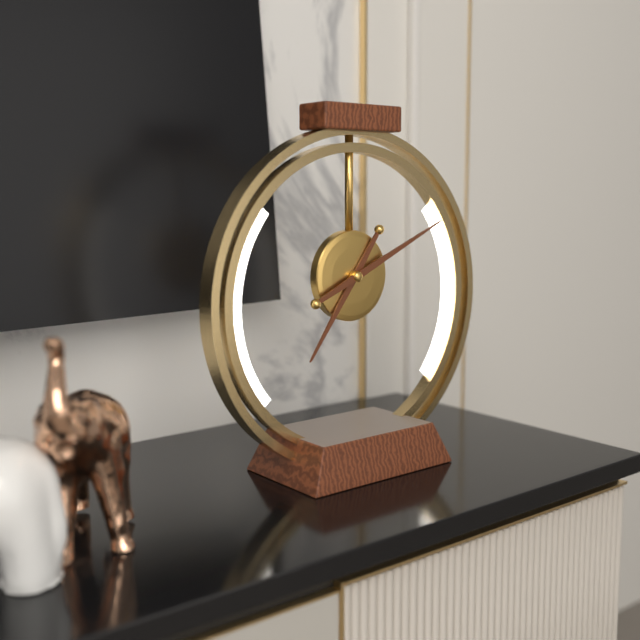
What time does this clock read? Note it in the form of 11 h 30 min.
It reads 7 h 11 min
